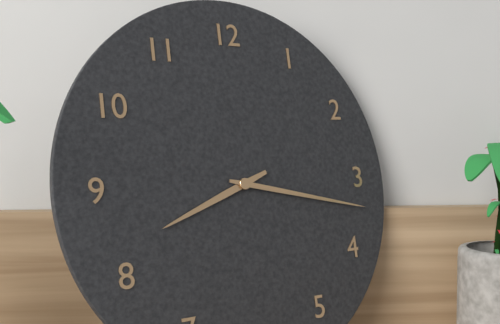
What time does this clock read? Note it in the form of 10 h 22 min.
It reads 8 h 17 min
